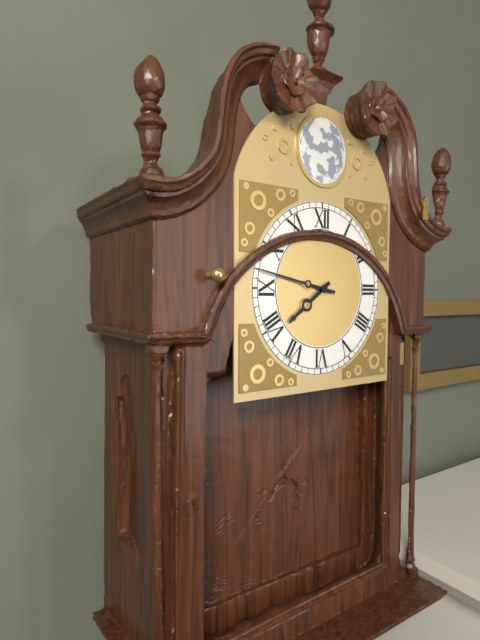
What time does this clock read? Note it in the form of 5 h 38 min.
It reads 7 h 47 min
